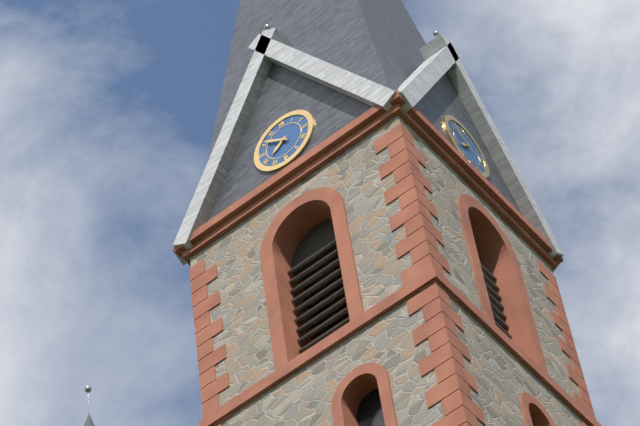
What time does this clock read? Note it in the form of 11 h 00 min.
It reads 7 h 51 min
